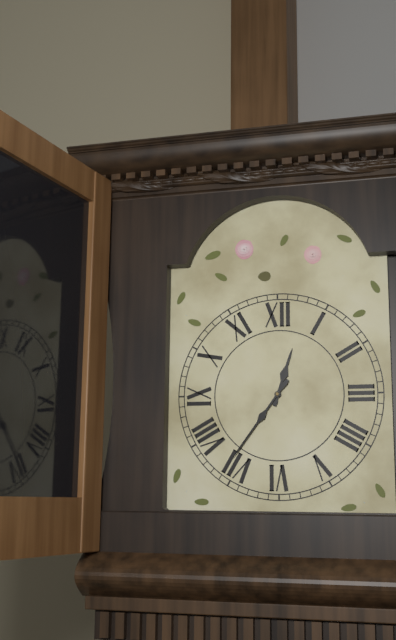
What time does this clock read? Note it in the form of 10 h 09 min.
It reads 12 h 36 min
